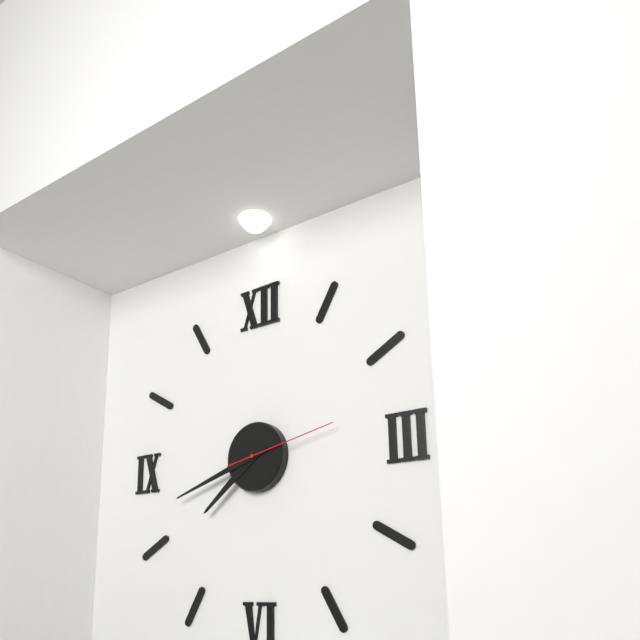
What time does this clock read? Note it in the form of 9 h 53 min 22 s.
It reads 7 h 42 min 13 s
